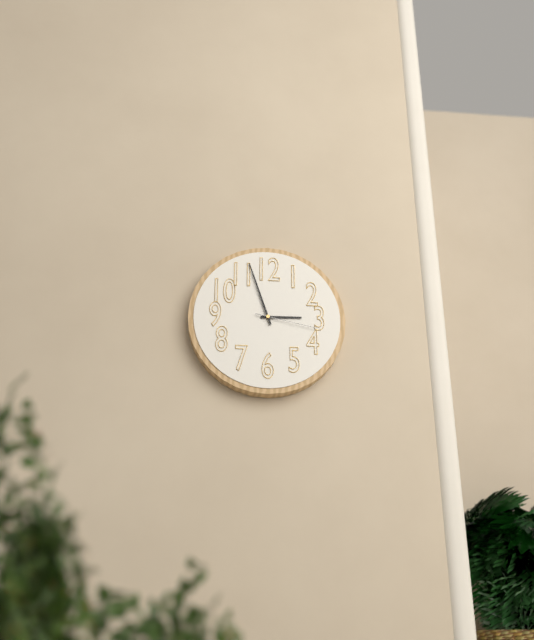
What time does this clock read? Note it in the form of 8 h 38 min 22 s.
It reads 2 h 57 min 17 s
